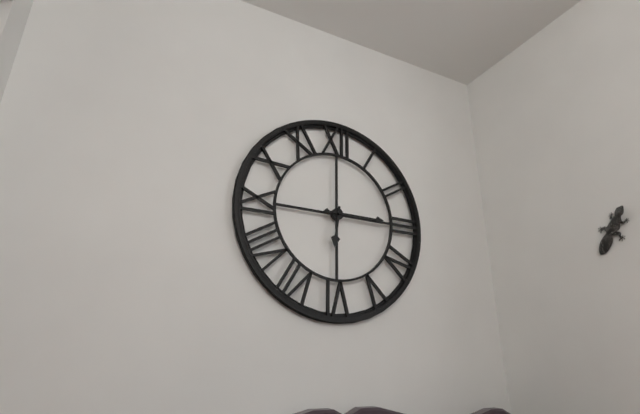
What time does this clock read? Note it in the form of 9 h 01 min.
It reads 6 h 15 min
